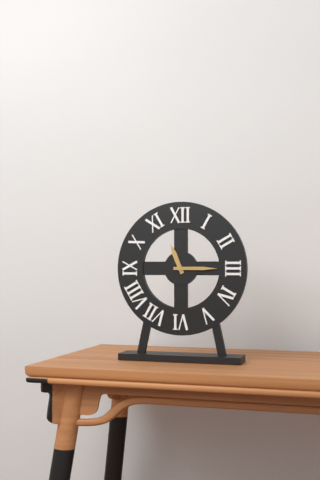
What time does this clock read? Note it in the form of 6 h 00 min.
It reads 11 h 15 min
